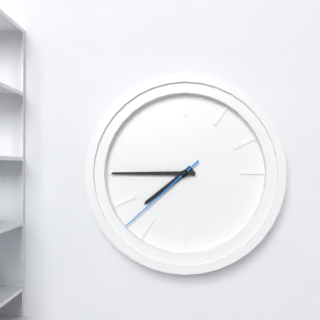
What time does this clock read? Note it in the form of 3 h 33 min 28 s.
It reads 7 h 45 min 38 s
